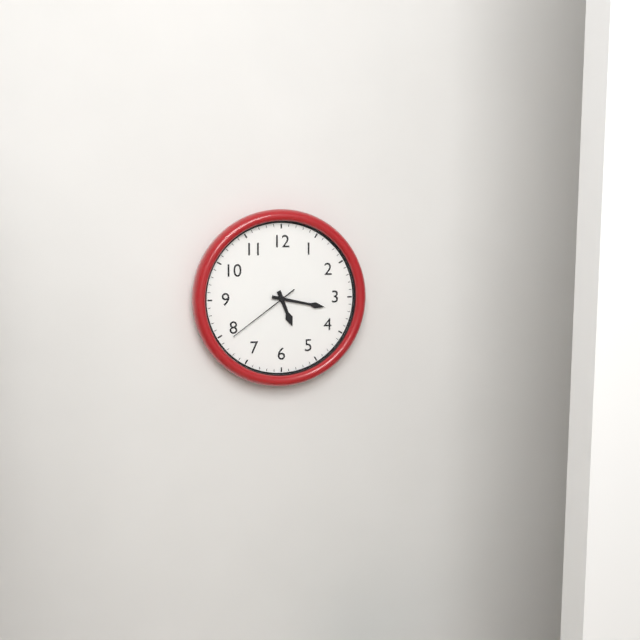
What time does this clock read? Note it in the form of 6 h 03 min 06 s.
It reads 5 h 17 min 39 s
